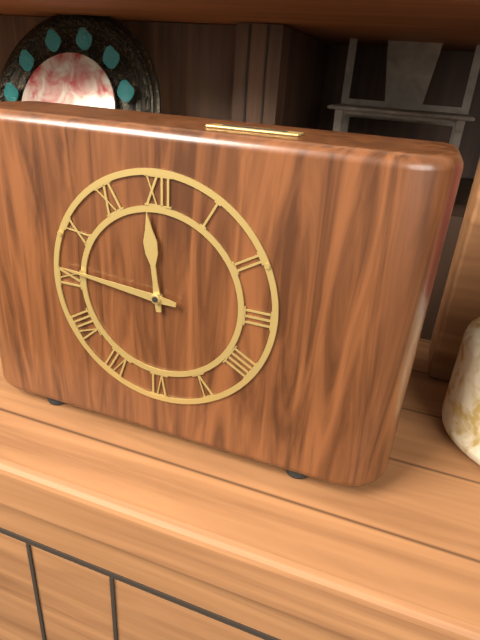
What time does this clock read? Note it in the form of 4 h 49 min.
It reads 11 h 46 min
